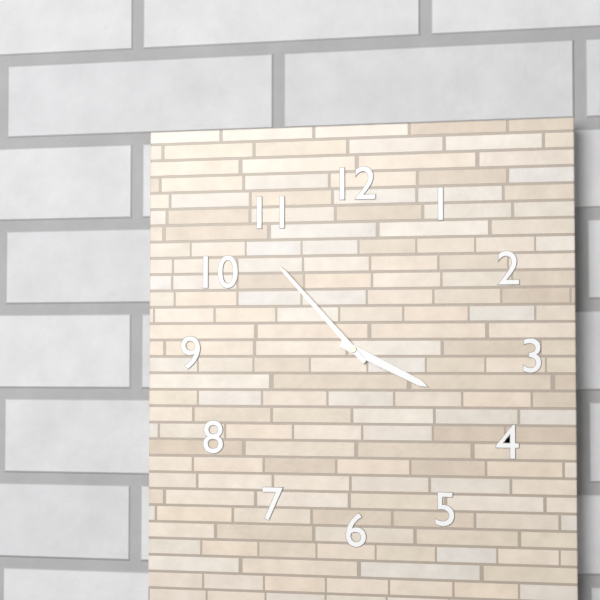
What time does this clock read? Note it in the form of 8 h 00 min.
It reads 3 h 53 min
